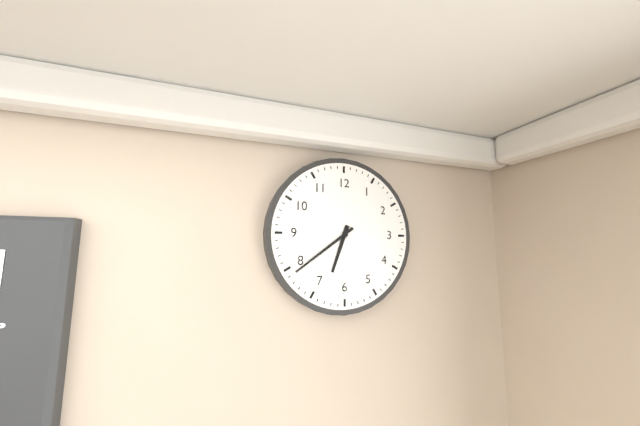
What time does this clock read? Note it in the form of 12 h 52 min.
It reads 6 h 39 min
